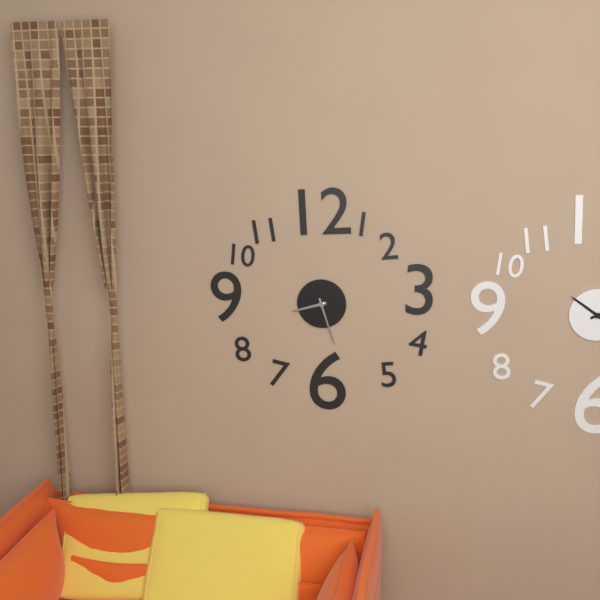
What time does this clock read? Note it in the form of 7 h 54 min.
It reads 8 h 27 min
